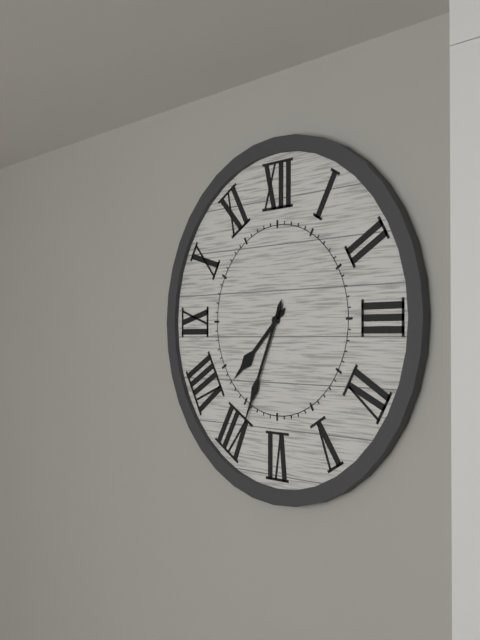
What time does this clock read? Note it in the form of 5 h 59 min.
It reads 7 h 34 min
